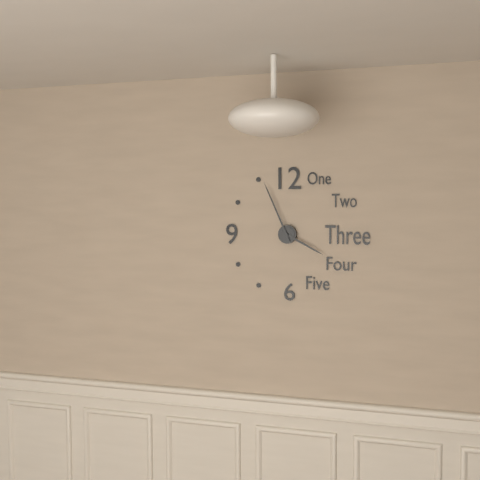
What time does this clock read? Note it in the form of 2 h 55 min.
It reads 3 h 56 min
